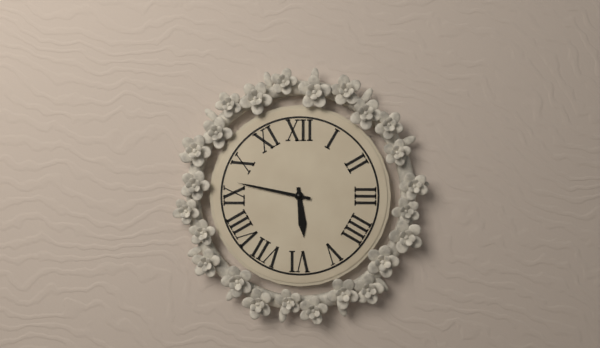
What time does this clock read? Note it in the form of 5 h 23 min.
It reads 5 h 47 min
